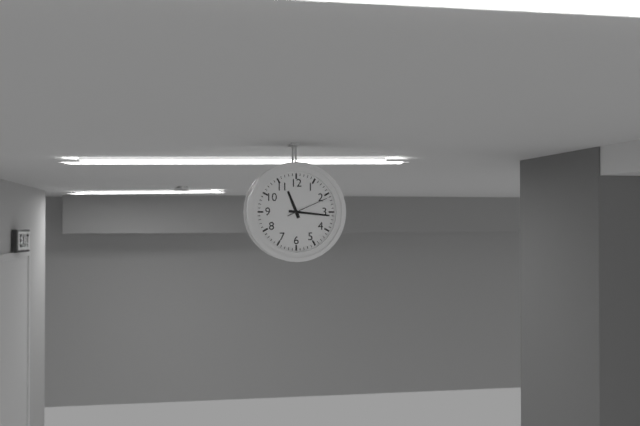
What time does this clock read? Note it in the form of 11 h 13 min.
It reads 11 h 16 min
